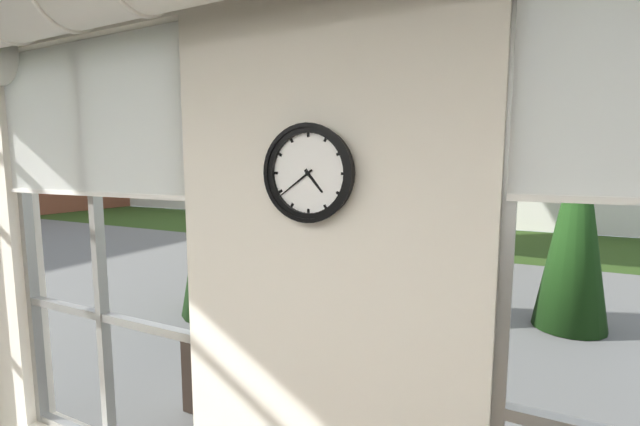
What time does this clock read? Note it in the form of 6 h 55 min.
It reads 4 h 39 min
